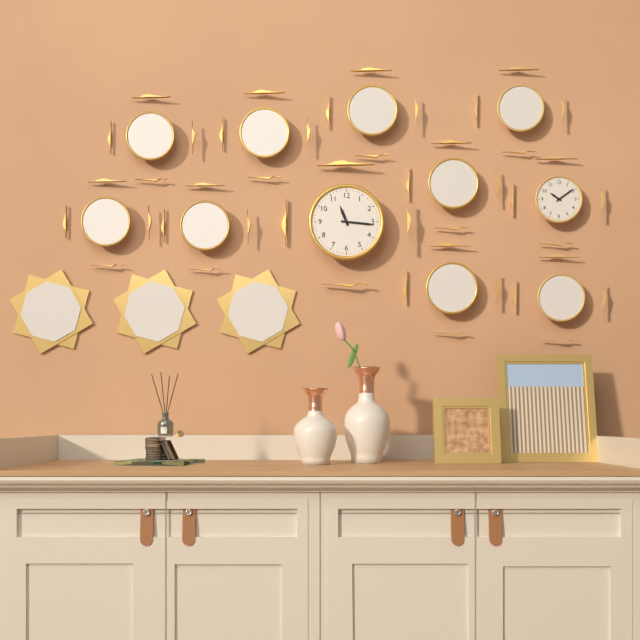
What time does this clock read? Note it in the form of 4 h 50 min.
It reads 11 h 16 min
